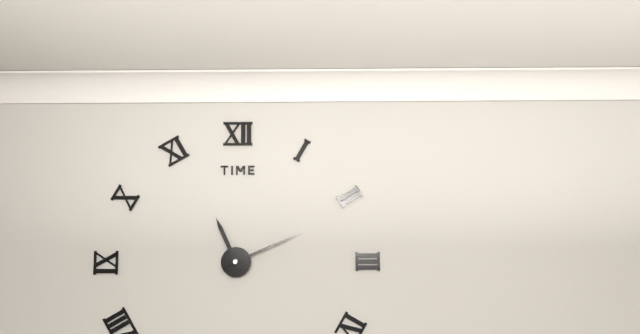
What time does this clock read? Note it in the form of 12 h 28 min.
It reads 11 h 11 min
